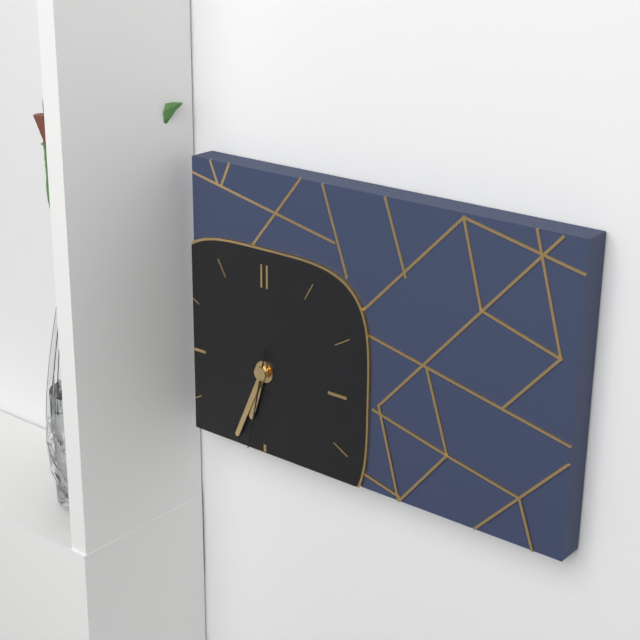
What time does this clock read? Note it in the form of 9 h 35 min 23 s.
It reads 6 h 34 min 32 s
